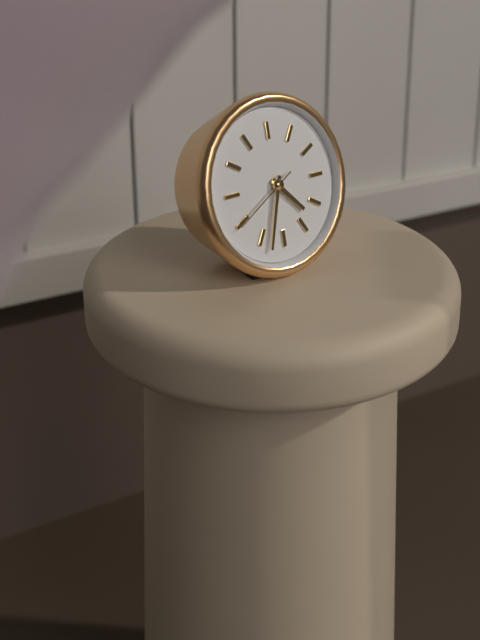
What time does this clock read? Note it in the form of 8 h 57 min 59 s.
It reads 4 h 33 min 40 s
